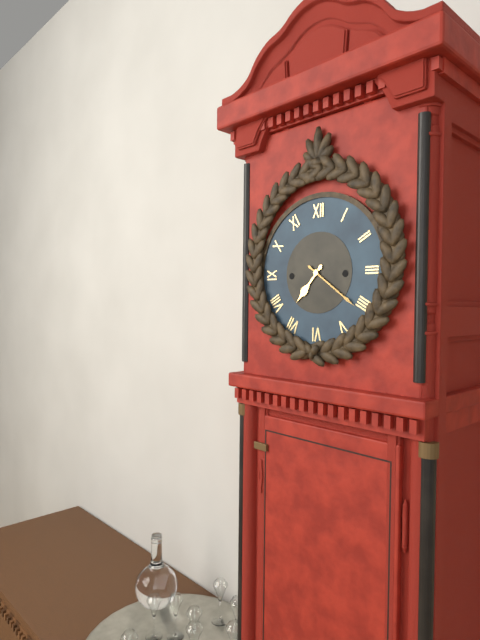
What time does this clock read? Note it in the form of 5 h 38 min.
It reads 7 h 21 min
